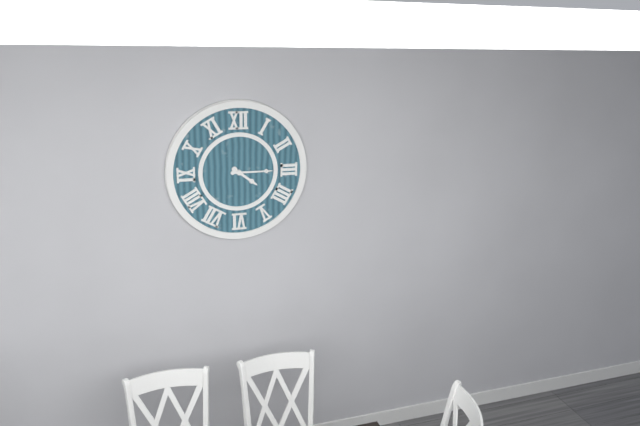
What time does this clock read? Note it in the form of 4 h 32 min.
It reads 4 h 15 min
